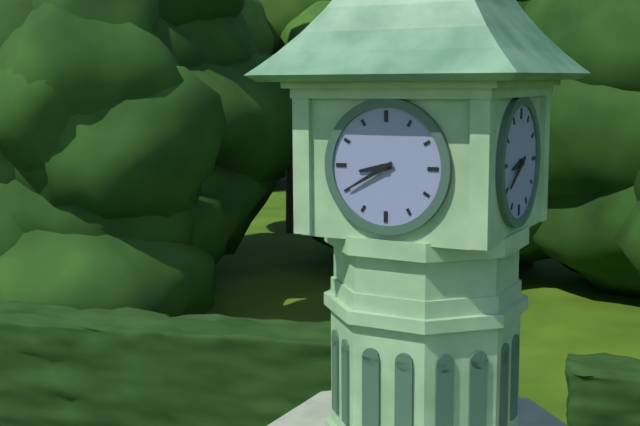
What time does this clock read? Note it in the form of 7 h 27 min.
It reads 8 h 40 min
